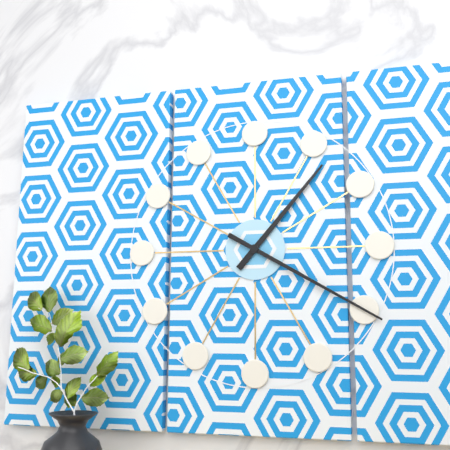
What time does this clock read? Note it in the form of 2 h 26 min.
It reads 1 h 20 min
